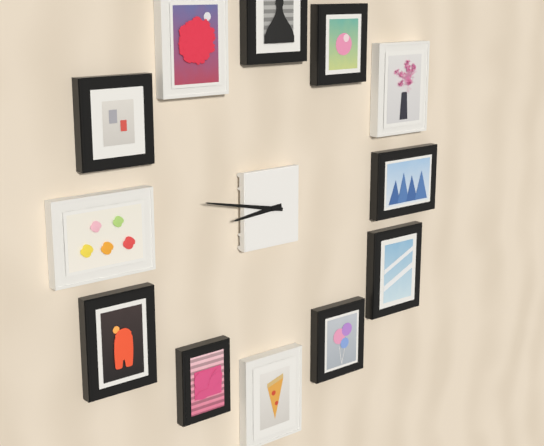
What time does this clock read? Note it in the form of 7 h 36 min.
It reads 8 h 47 min
